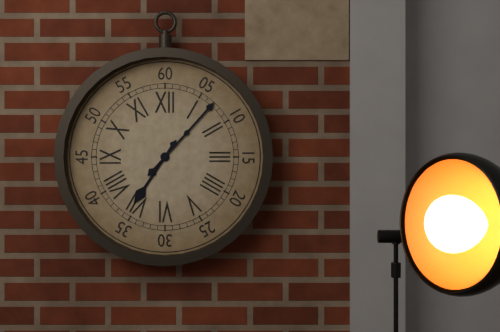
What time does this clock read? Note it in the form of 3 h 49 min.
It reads 7 h 07 min
